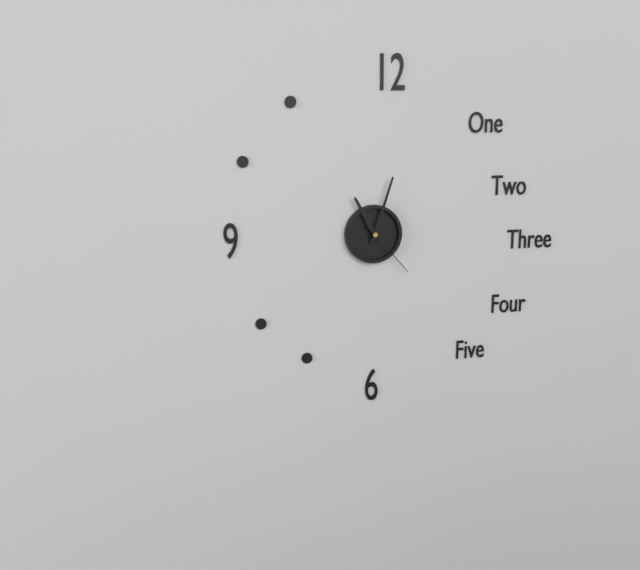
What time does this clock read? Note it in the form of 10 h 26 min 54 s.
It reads 11 h 03 min 23 s
